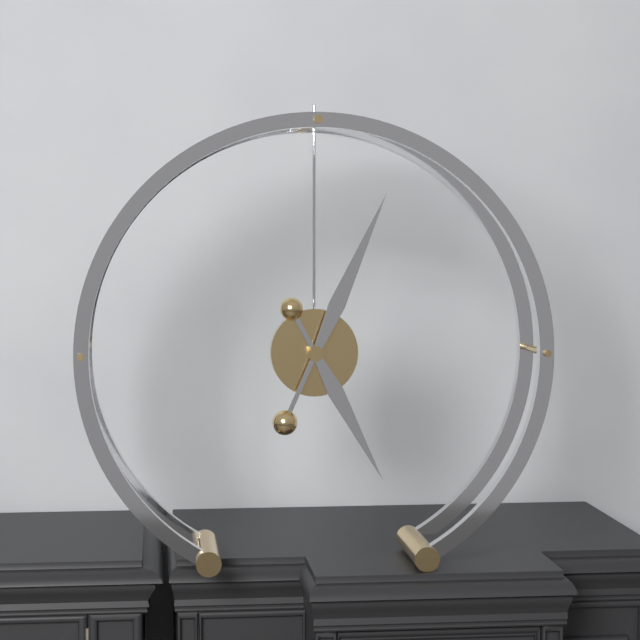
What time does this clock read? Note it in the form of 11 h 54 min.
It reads 5 h 04 min
